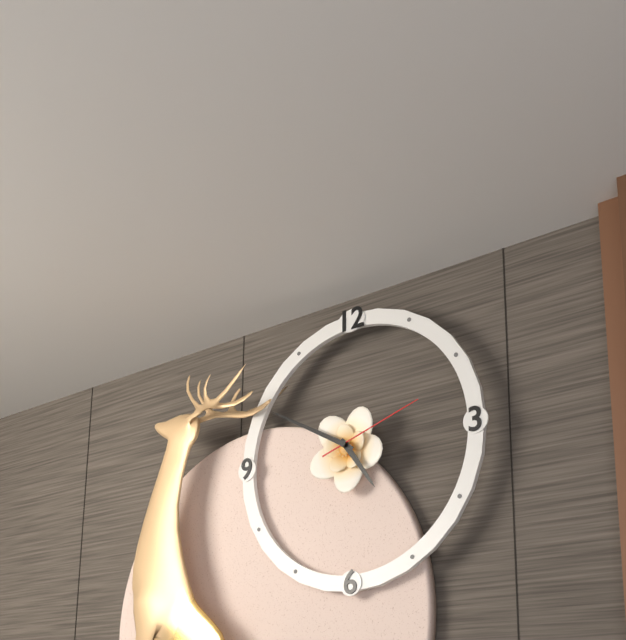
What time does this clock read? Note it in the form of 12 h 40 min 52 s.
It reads 4 h 50 min 12 s
